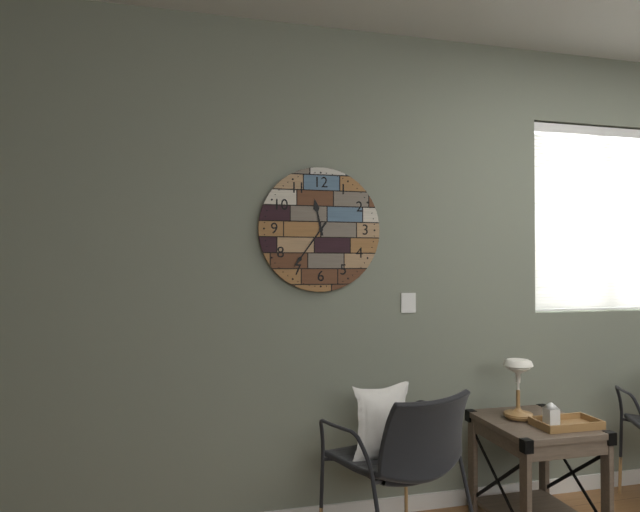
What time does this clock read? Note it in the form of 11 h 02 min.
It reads 11 h 36 min
